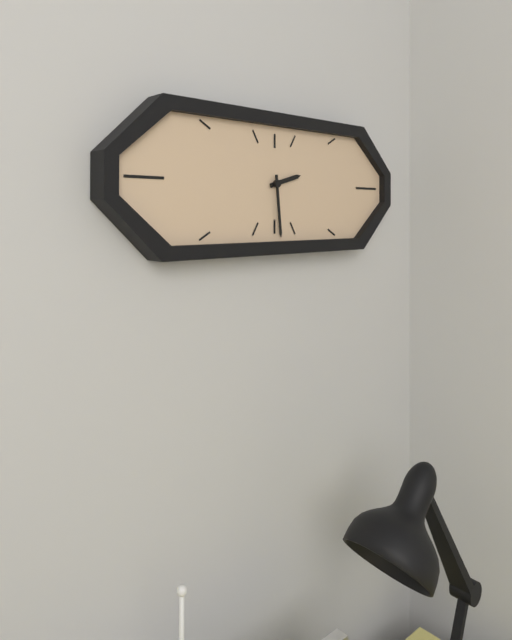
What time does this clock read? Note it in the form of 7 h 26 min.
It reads 2 h 29 min
